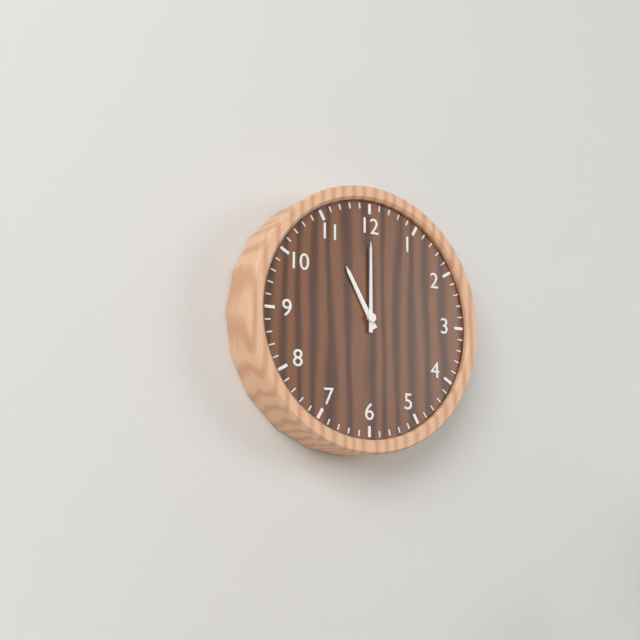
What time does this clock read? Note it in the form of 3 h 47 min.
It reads 11 h 00 min
